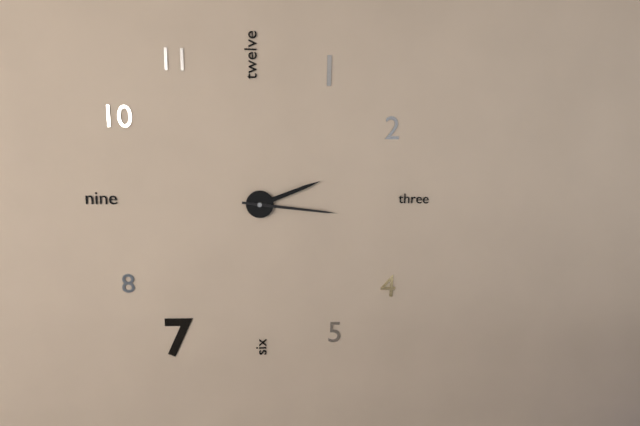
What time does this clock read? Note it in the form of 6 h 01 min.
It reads 2 h 16 min
